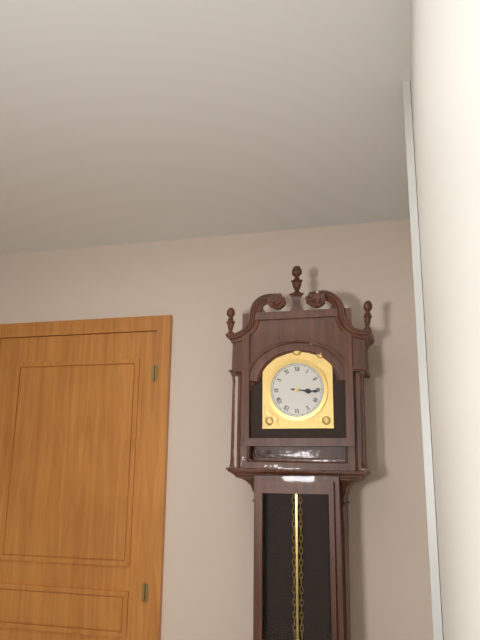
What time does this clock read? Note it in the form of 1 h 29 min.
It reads 3 h 16 min
